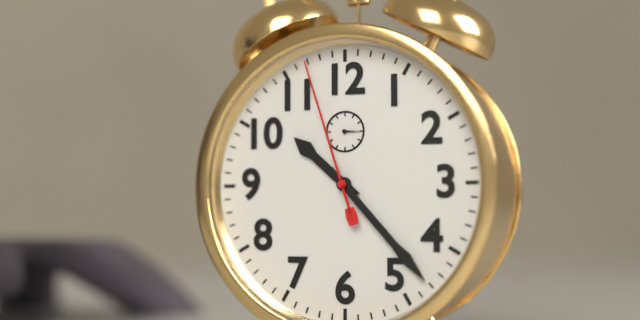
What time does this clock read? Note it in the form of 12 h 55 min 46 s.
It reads 10 h 23 min 57 s
